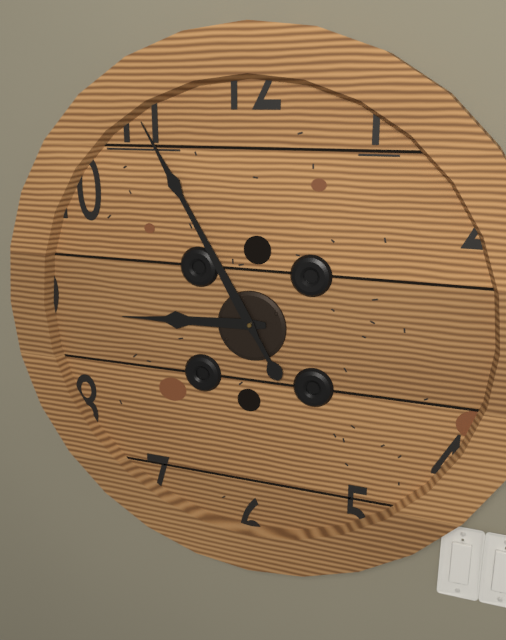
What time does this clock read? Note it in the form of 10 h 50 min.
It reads 8 h 55 min
